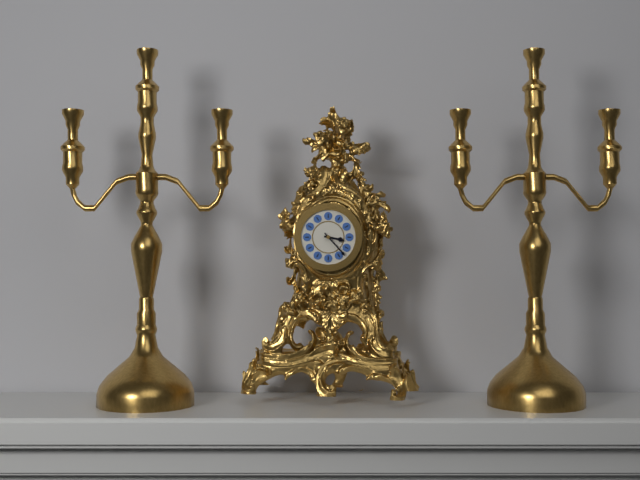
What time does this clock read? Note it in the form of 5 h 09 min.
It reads 3 h 23 min
